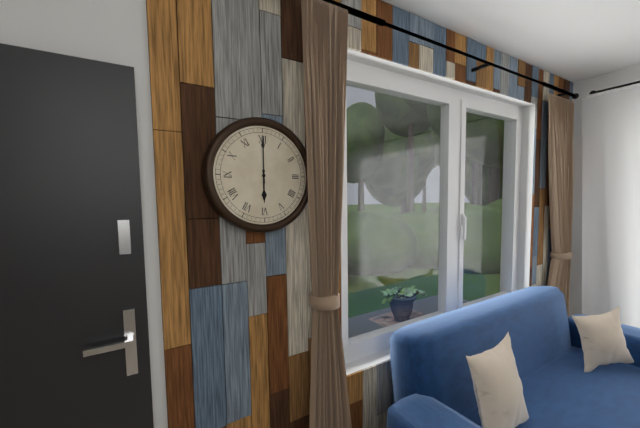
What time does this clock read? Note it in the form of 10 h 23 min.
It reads 6 h 00 min
